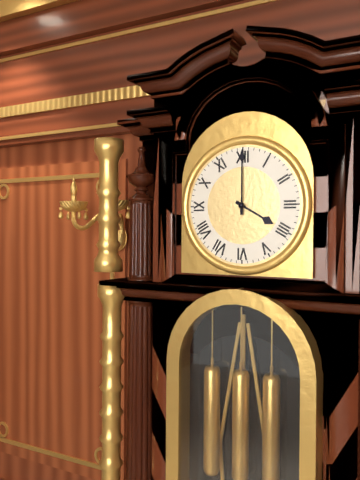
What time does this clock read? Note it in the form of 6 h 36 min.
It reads 4 h 00 min
